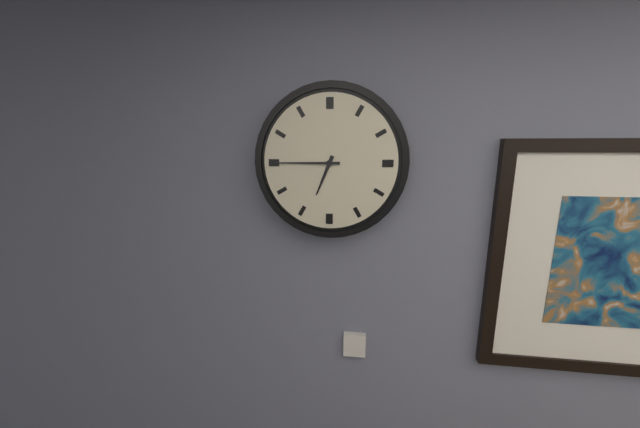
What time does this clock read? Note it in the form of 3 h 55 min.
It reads 6 h 45 min
